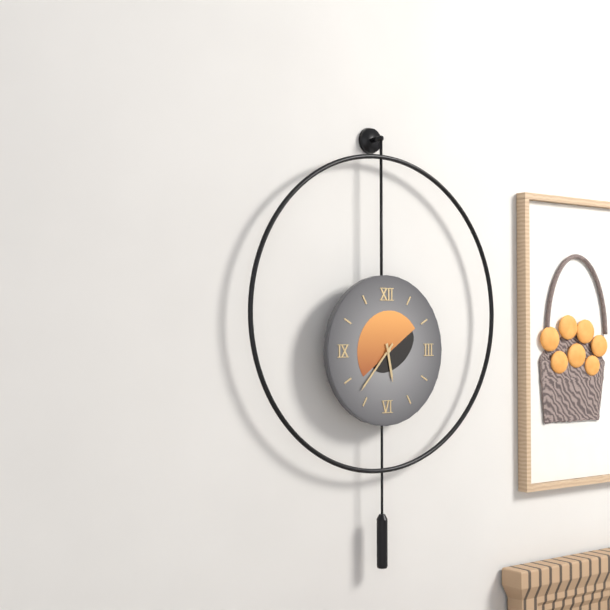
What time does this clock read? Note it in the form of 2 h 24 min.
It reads 5 h 37 min
